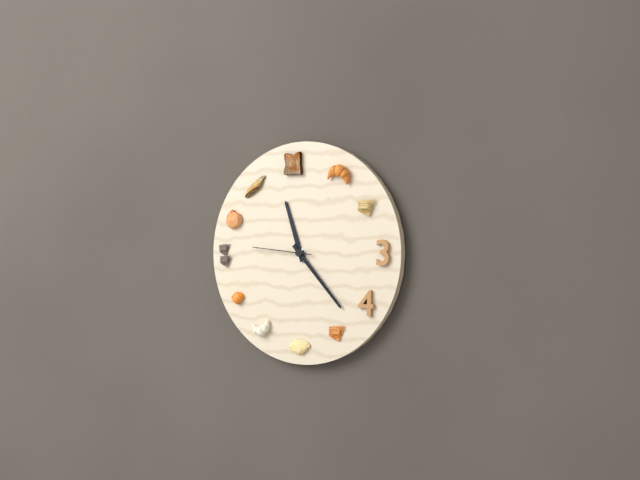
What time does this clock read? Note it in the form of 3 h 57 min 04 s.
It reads 11 h 23 min 46 s
